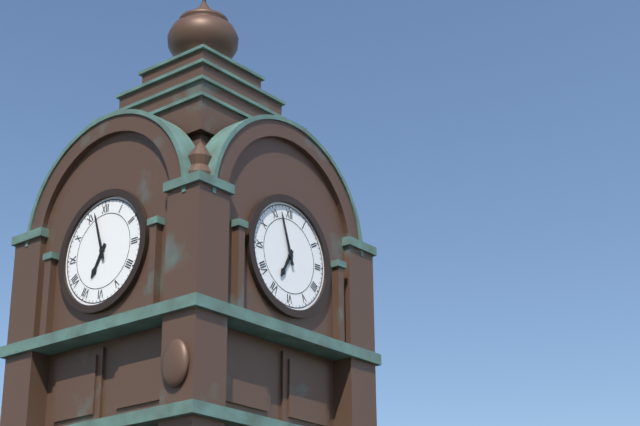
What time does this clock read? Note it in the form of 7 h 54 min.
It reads 6 h 57 min
